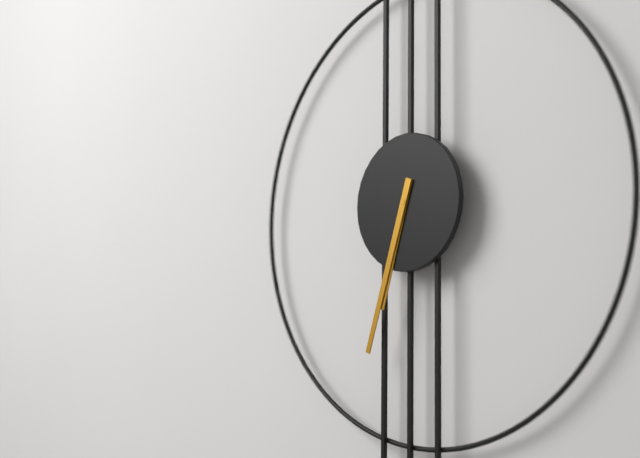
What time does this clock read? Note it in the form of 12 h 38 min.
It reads 6 h 33 min
